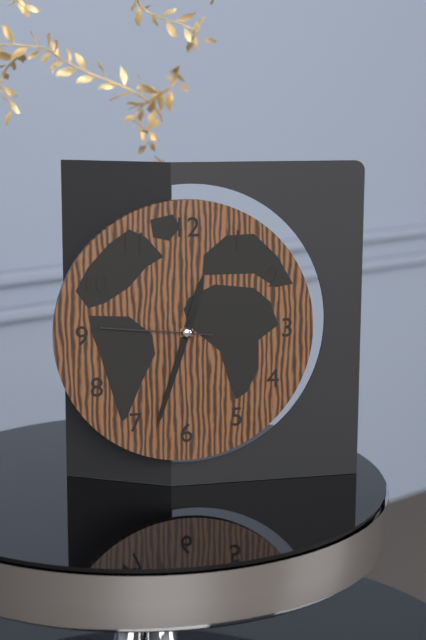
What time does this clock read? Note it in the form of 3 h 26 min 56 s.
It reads 12 h 33 min 46 s
